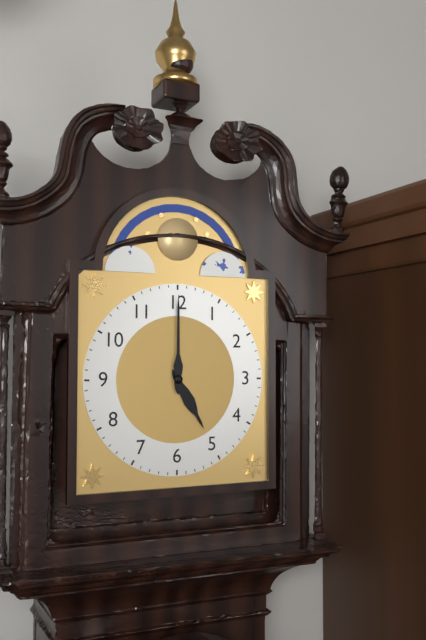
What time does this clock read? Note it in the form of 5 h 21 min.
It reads 5 h 00 min
